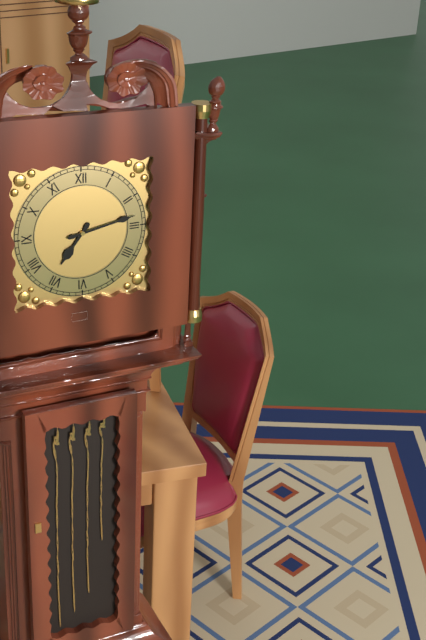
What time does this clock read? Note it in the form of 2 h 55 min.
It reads 7 h 13 min
